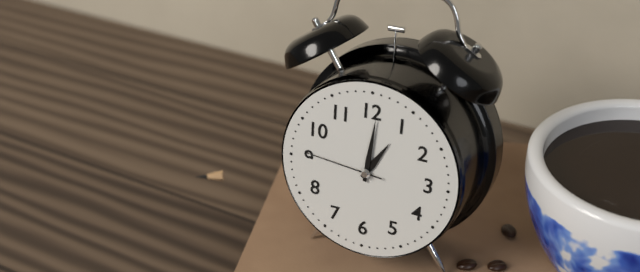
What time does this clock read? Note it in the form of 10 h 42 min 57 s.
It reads 1 h 01 min 46 s
